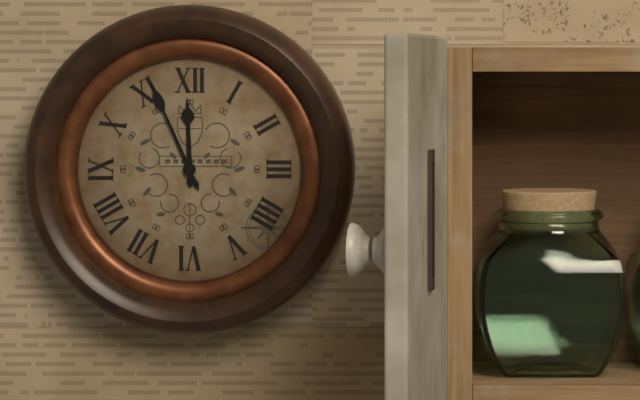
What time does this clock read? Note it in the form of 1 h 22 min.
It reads 11 h 56 min
